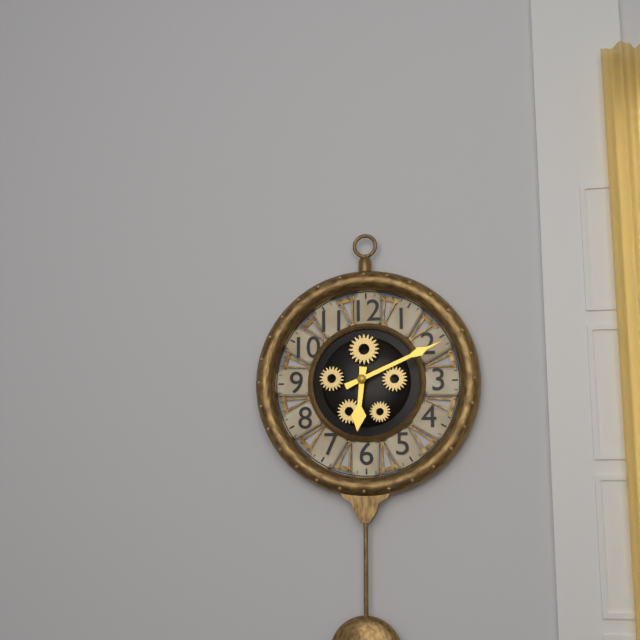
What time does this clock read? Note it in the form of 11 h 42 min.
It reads 6 h 11 min
